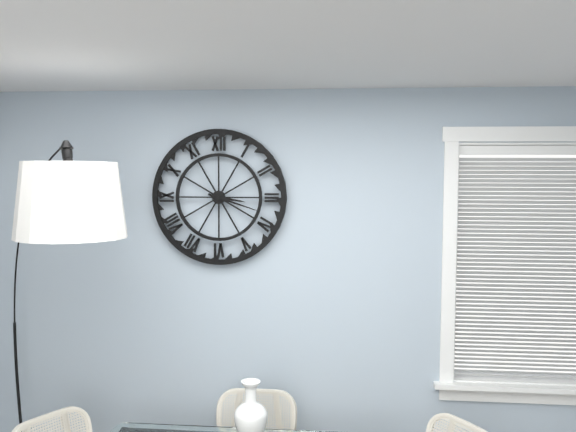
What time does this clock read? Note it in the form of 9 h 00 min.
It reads 3 h 18 min
